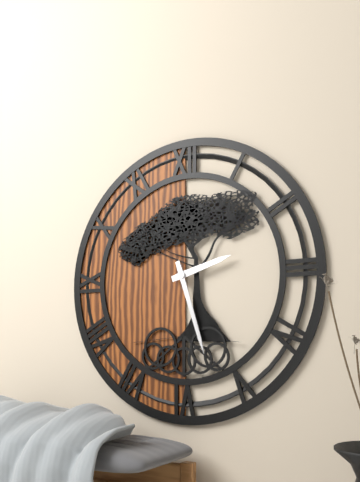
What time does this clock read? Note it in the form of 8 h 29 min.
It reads 2 h 27 min
